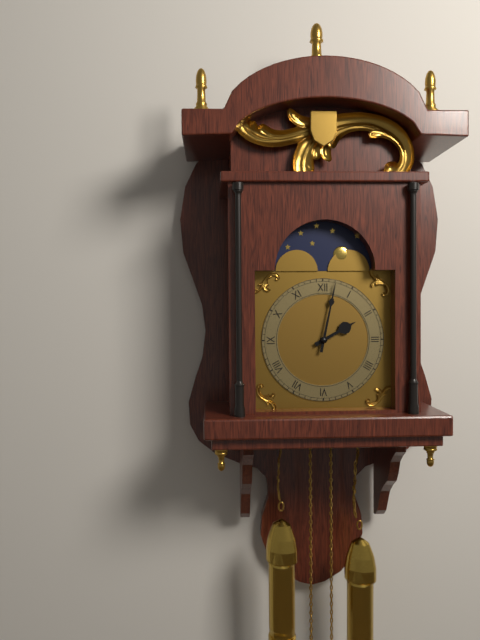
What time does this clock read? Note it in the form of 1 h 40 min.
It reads 2 h 02 min
